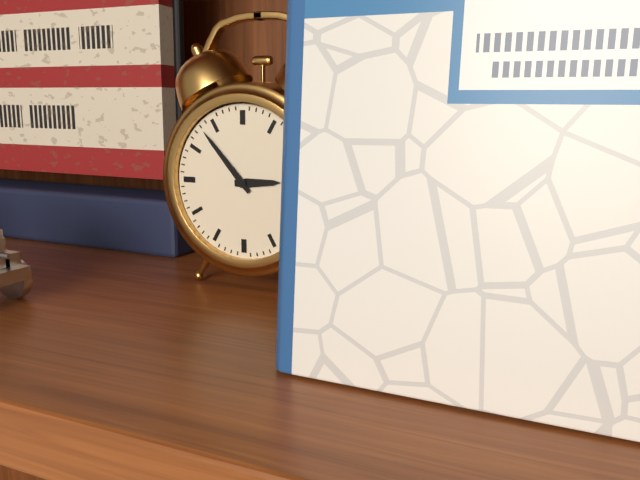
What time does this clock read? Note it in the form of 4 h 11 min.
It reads 2 h 53 min
